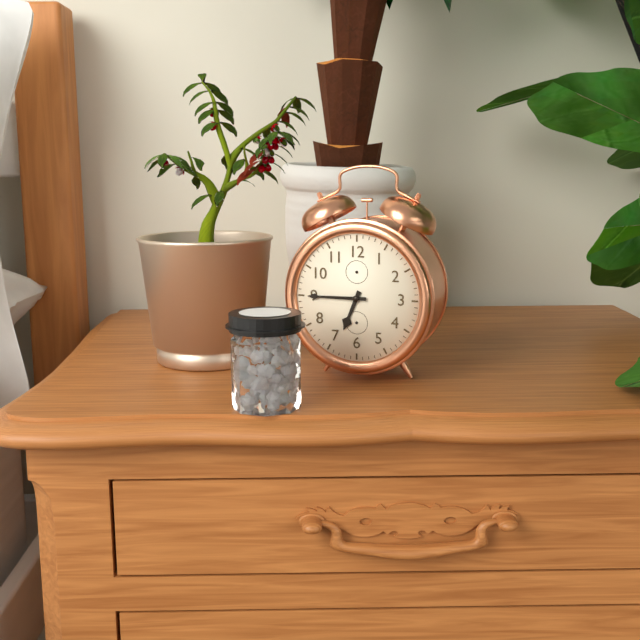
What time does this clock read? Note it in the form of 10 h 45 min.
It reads 6 h 45 min
